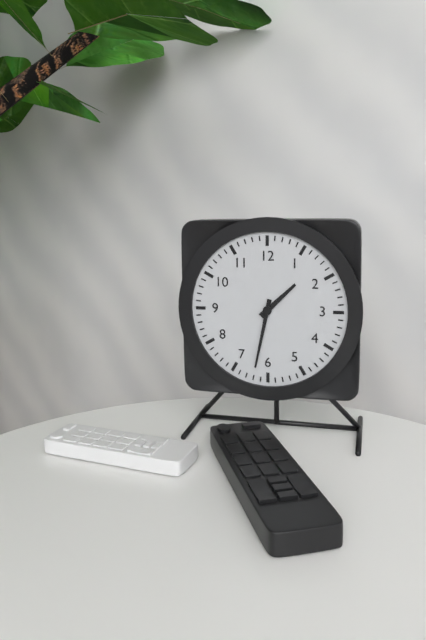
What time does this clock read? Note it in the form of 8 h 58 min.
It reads 1 h 32 min
